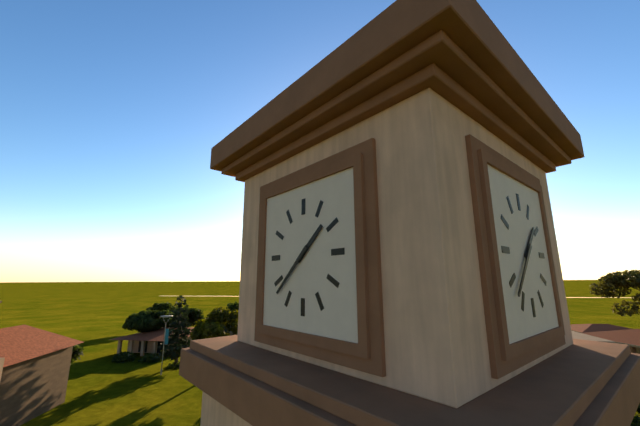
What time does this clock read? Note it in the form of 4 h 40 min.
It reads 1 h 38 min
